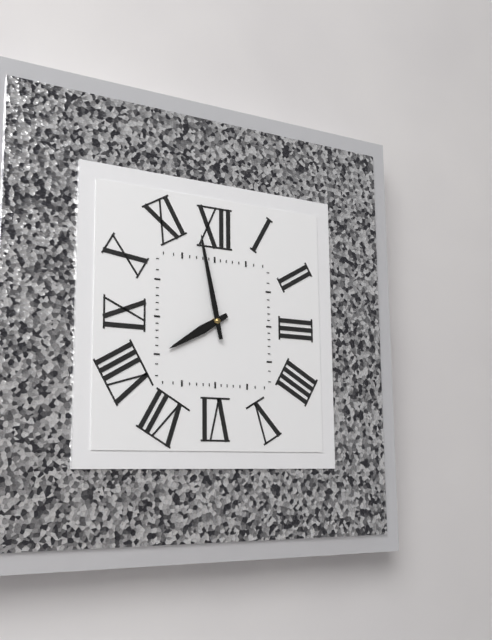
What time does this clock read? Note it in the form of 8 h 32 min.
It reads 7 h 58 min
